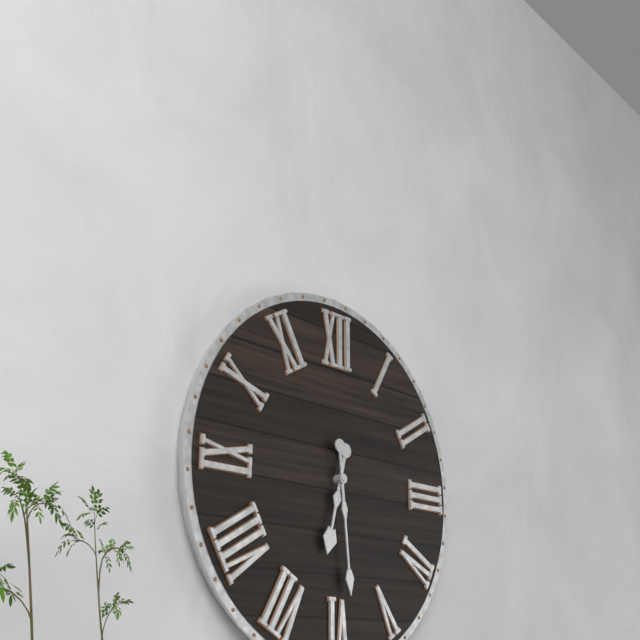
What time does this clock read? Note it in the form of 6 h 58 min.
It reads 6 h 29 min
